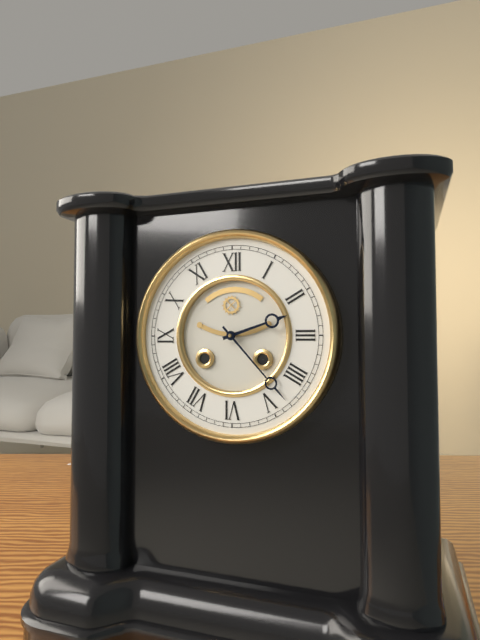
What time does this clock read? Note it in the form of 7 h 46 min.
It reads 2 h 23 min
